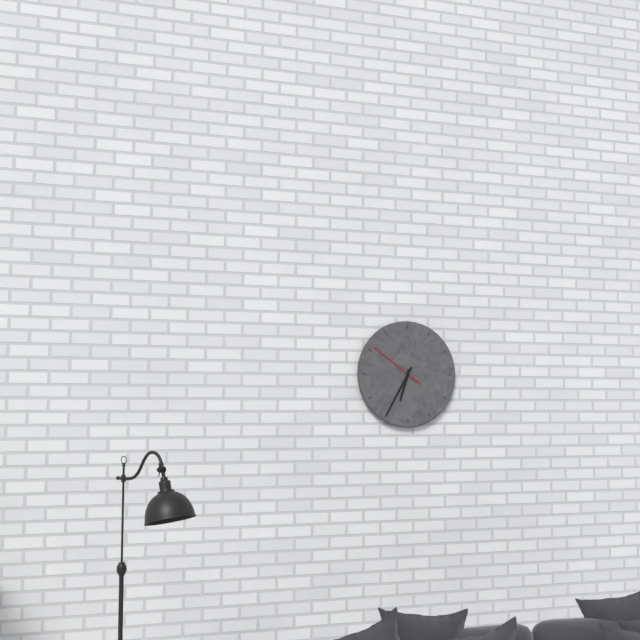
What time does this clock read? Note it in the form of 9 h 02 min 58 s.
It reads 6 h 35 min 51 s
